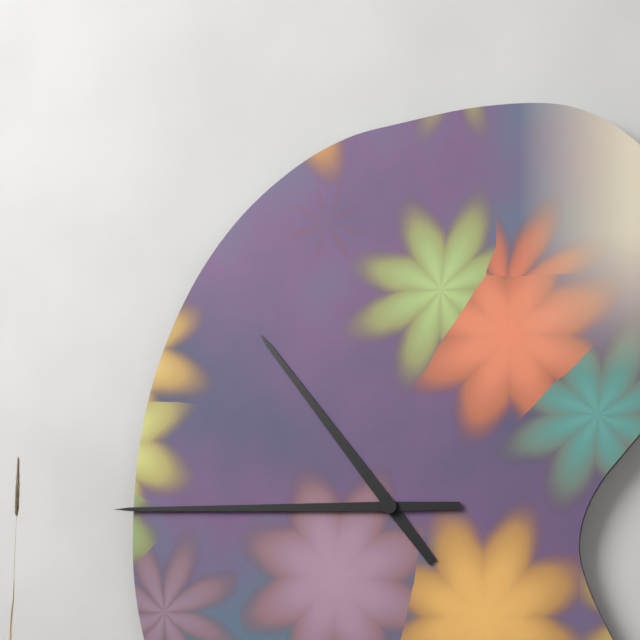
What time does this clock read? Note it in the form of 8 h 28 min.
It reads 10 h 45 min
